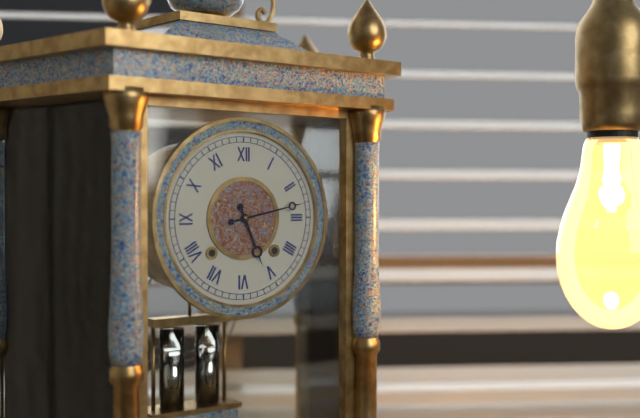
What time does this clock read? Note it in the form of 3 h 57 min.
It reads 5 h 13 min
